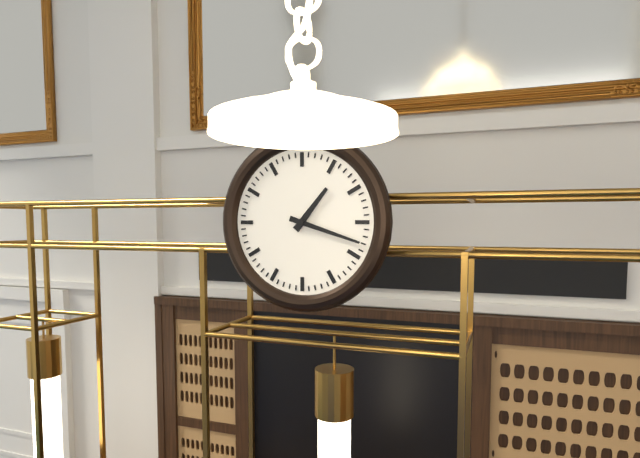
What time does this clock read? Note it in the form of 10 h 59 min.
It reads 1 h 18 min
